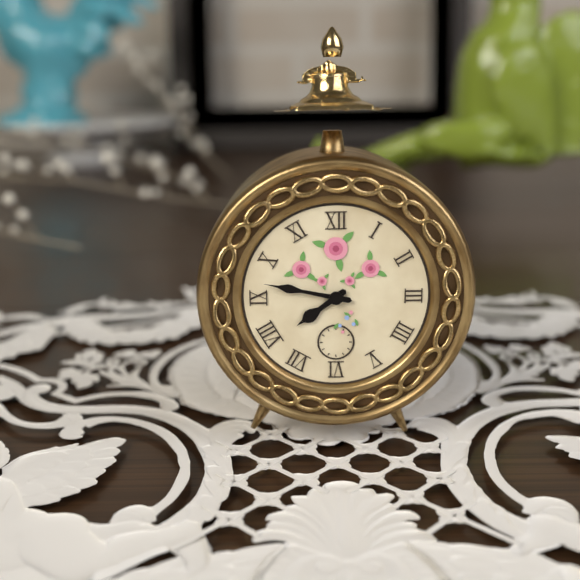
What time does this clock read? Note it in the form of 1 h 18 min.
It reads 7 h 47 min
